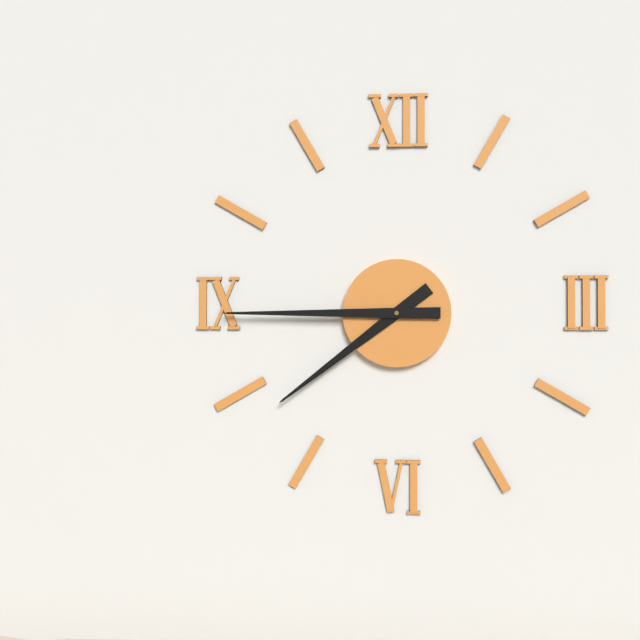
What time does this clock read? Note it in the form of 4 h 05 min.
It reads 7 h 45 min
